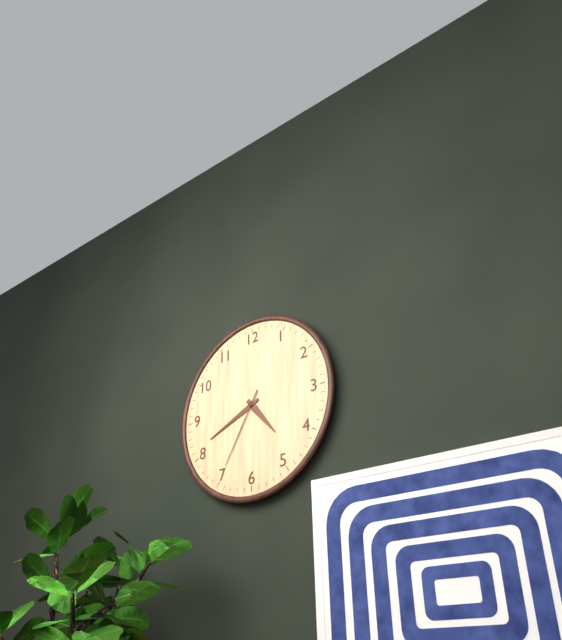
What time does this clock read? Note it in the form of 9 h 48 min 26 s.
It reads 4 h 41 min 35 s
